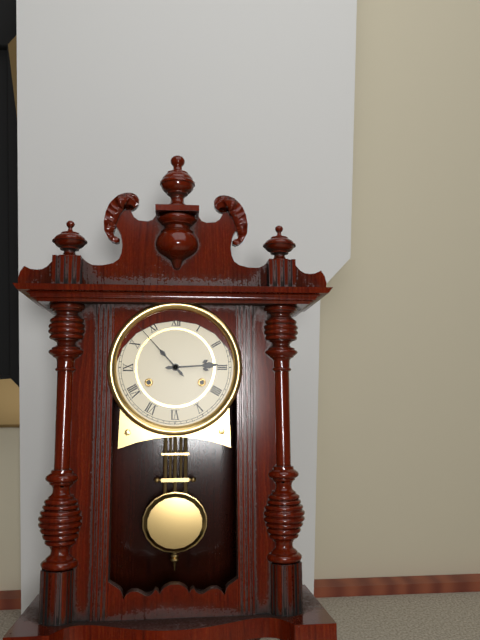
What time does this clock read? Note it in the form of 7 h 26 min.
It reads 2 h 53 min
